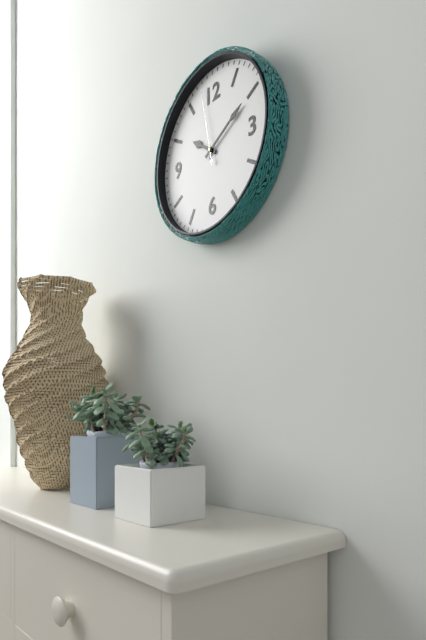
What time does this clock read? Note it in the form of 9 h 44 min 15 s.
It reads 10 h 10 min 58 s
